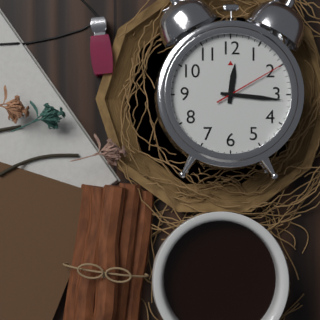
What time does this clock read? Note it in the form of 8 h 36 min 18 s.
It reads 12 h 16 min 10 s
